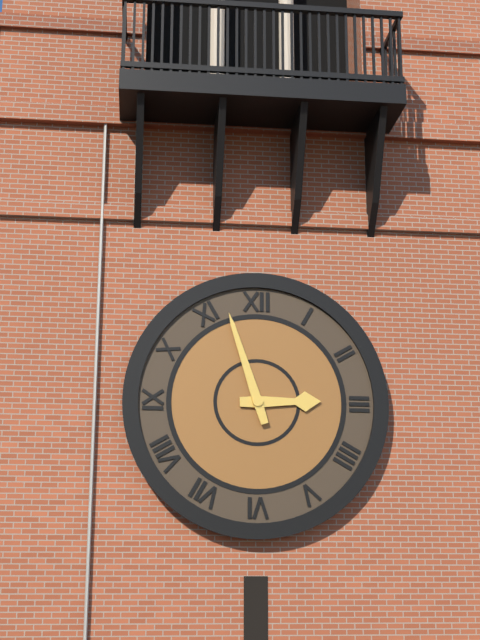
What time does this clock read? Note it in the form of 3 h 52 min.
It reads 2 h 57 min
